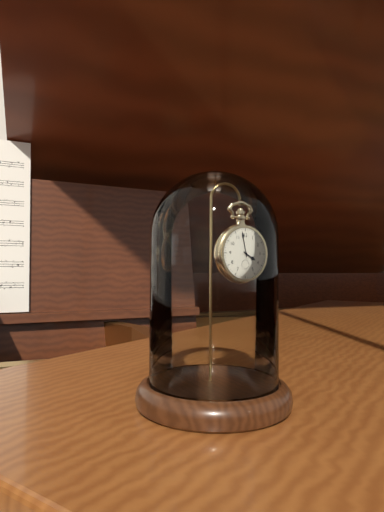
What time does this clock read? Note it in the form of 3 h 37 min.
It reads 3 h 58 min
